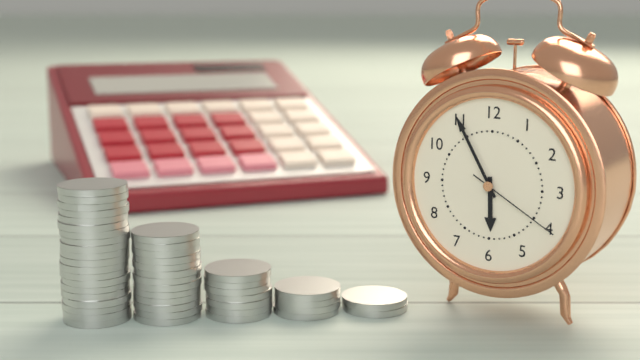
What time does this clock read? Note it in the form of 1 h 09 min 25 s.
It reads 5 h 55 min 20 s
